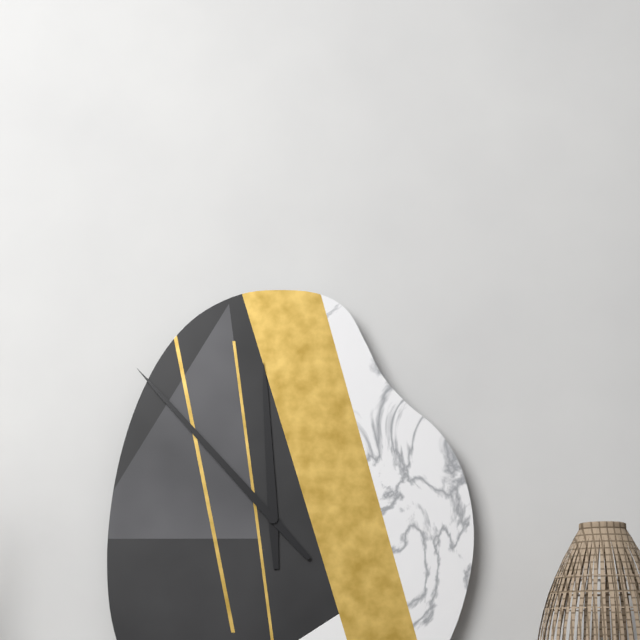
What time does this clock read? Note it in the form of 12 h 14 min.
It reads 11 h 53 min
